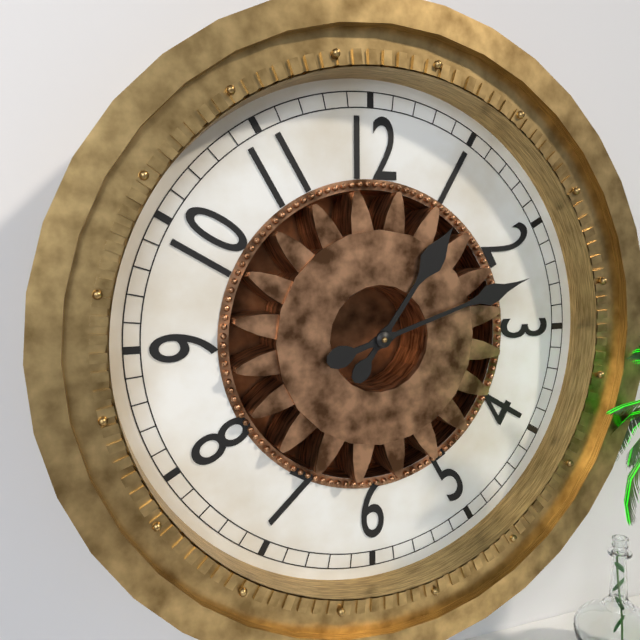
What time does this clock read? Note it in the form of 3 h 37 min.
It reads 1 h 12 min
